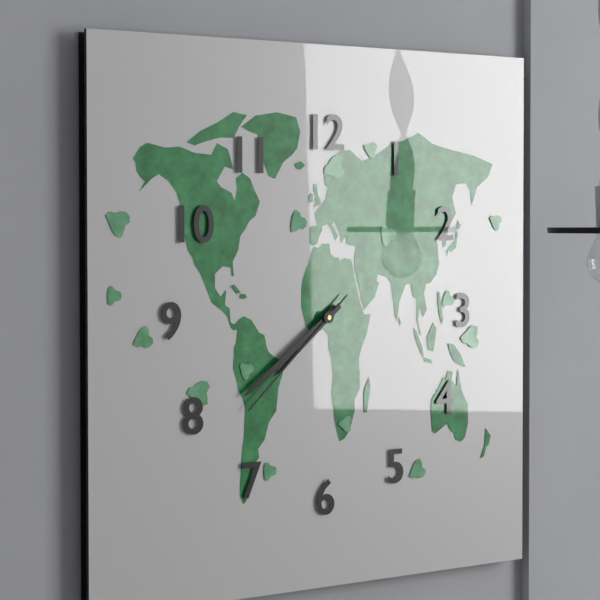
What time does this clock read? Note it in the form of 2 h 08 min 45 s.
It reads 7 h 39 min 38 s
